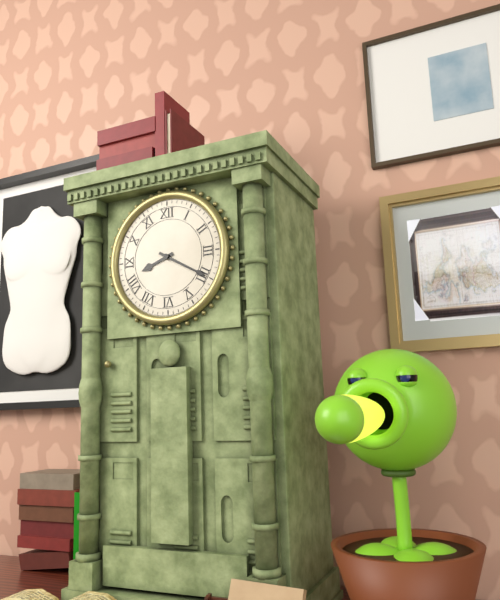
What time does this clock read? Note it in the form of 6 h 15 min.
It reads 8 h 20 min
